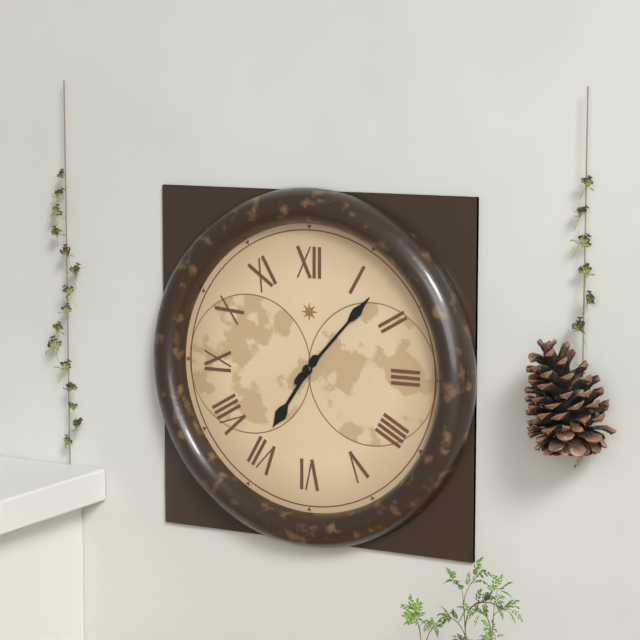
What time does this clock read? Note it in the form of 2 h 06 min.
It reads 7 h 07 min
